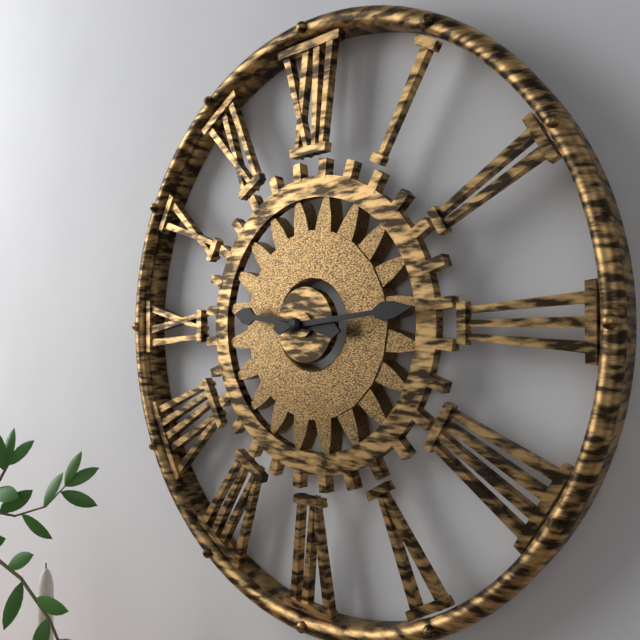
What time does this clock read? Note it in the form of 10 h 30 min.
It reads 9 h 14 min
